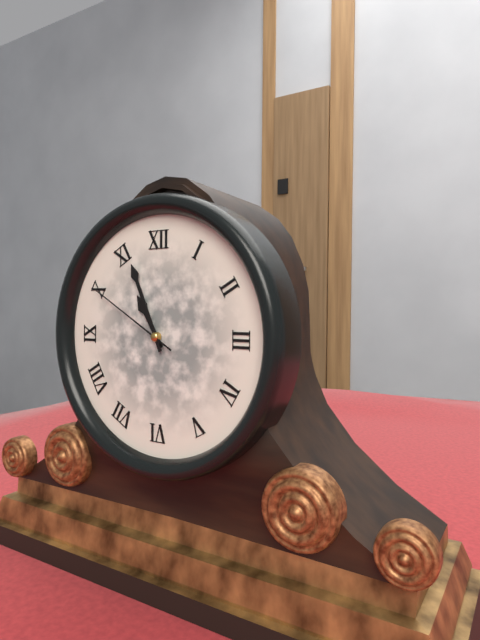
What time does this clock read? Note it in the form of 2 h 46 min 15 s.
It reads 10 h 56 min 50 s
